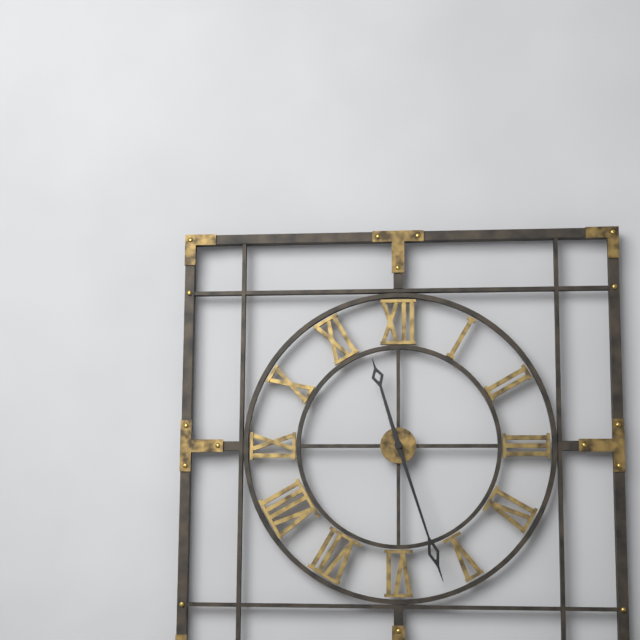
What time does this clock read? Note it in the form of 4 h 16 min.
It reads 11 h 27 min
